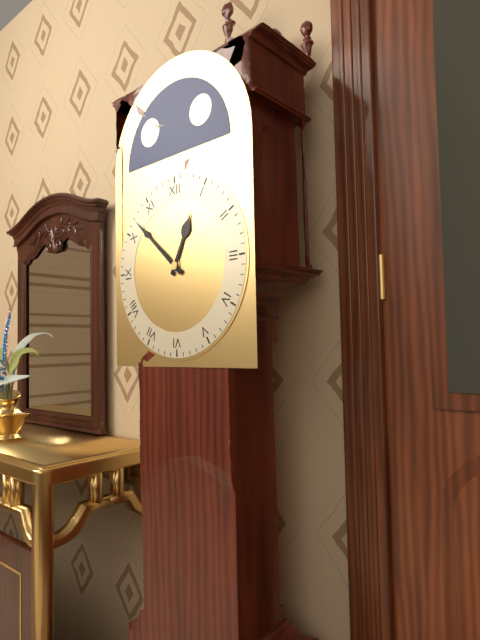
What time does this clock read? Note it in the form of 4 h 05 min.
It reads 12 h 52 min
